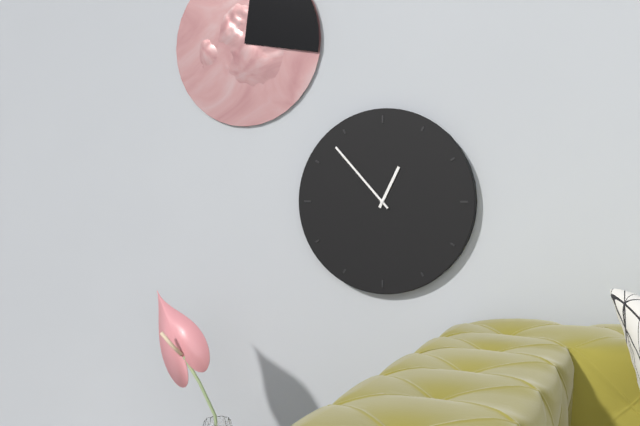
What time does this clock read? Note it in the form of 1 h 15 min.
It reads 12 h 53 min
